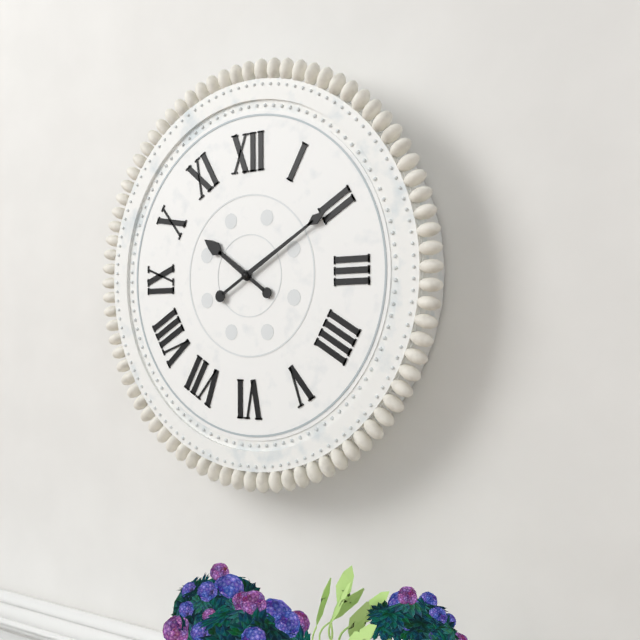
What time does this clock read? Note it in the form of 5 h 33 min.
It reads 10 h 10 min
